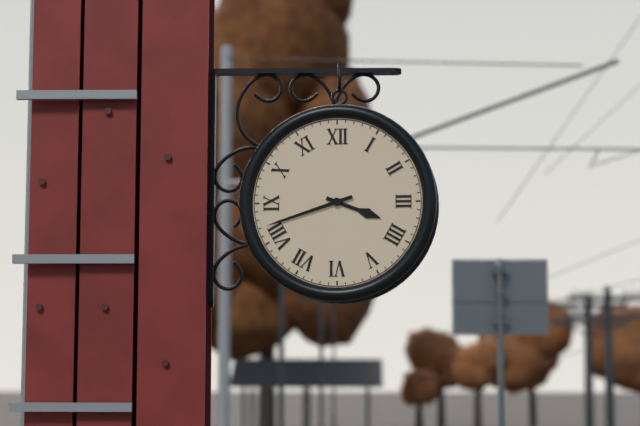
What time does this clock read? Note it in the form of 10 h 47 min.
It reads 3 h 42 min
